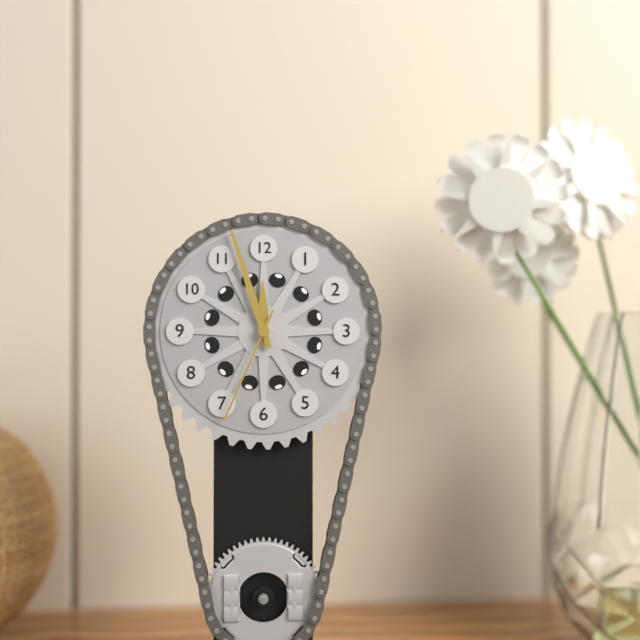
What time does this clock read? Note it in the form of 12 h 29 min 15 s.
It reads 11 h 57 min 34 s
